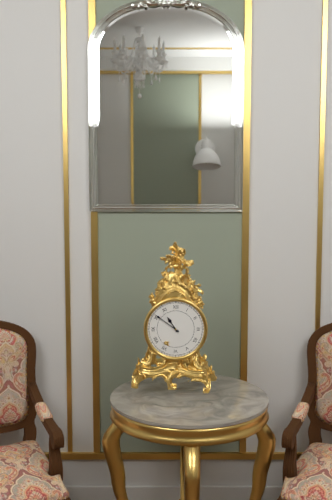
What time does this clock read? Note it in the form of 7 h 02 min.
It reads 10 h 51 min
